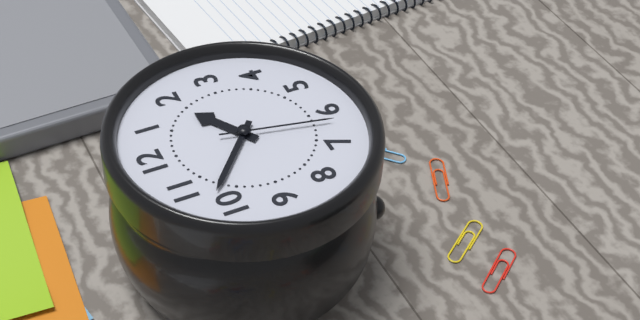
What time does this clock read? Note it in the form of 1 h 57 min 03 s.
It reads 1 h 52 min 32 s
